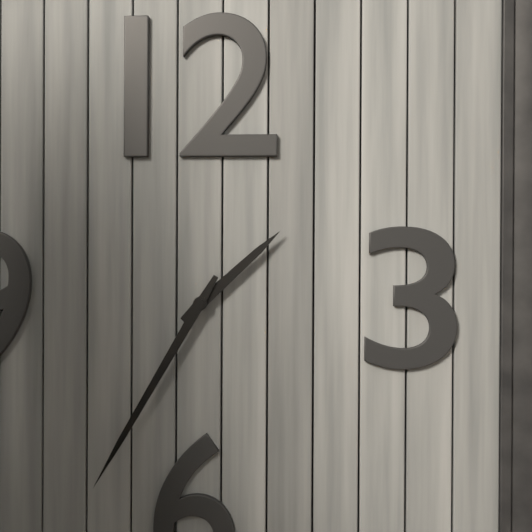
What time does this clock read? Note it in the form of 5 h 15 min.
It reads 1 h 35 min
